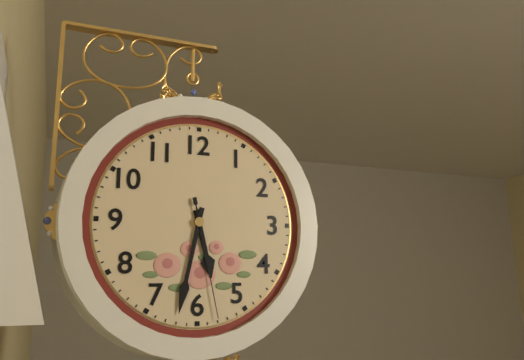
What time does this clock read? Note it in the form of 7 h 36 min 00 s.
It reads 5 h 32 min 28 s
